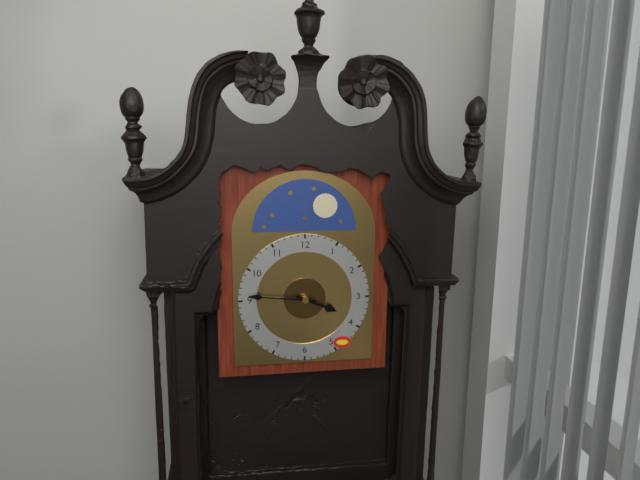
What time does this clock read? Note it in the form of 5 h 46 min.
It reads 3 h 46 min
